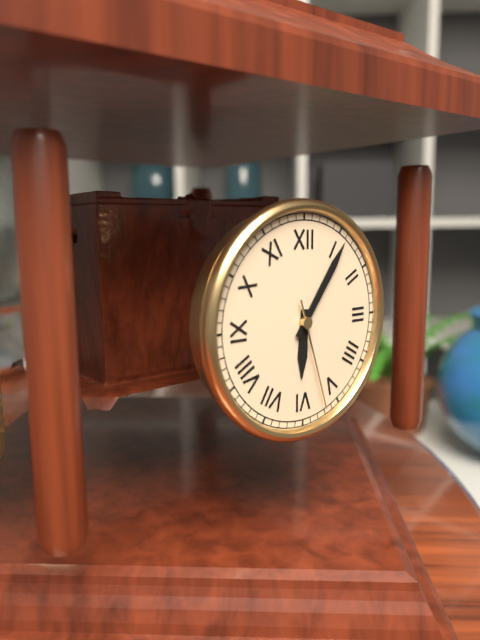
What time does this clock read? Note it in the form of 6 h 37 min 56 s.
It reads 6 h 06 min 27 s
